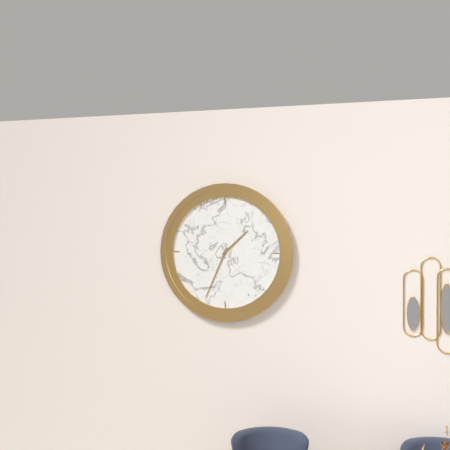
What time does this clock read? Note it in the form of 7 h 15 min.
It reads 1 h 34 min
